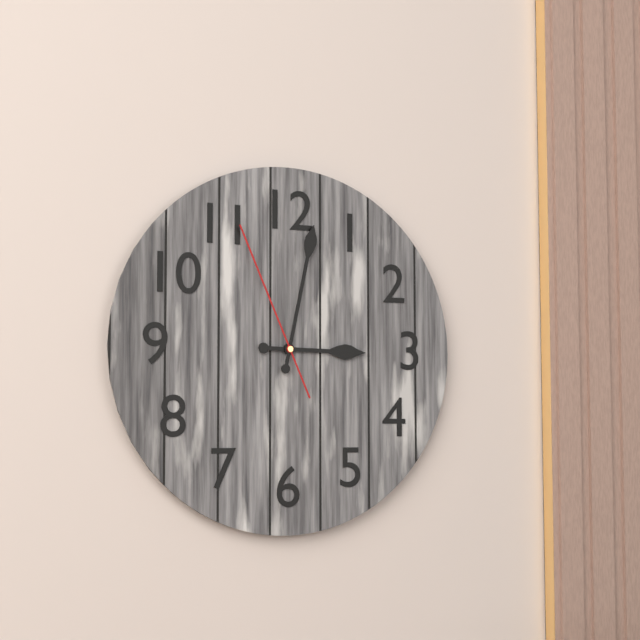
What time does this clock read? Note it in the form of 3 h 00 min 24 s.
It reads 3 h 02 min 56 s
